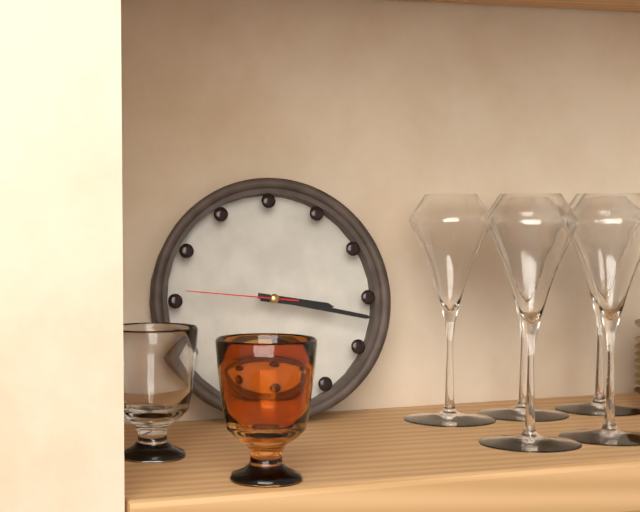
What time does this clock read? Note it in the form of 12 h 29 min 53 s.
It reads 3 h 17 min 46 s
